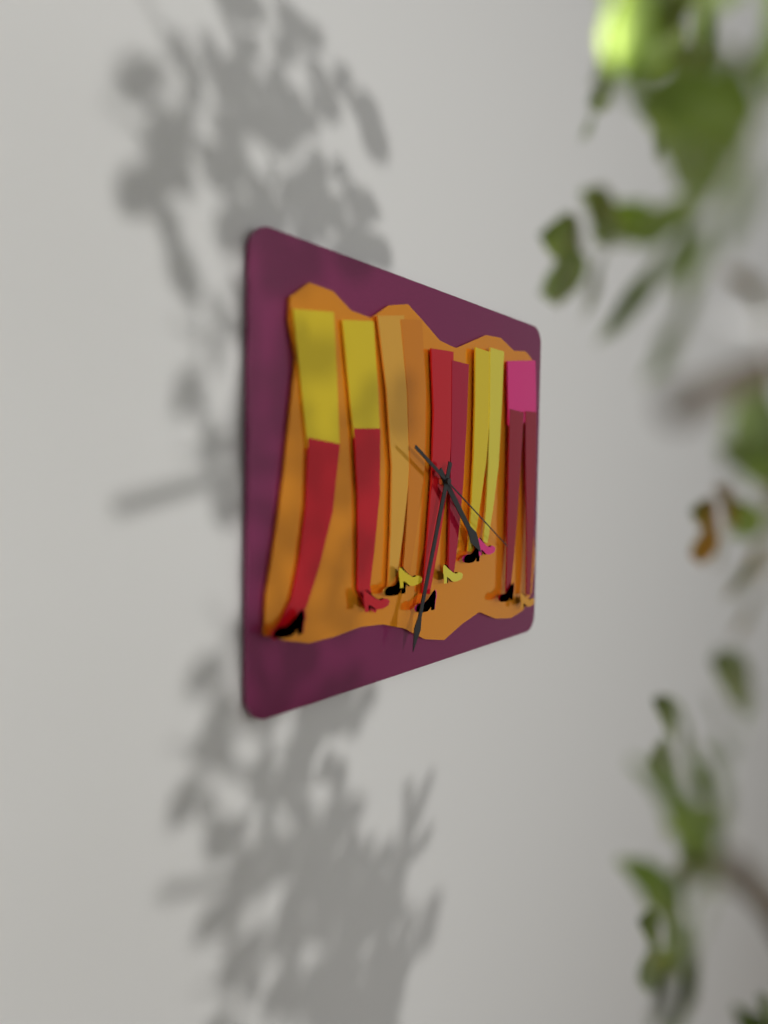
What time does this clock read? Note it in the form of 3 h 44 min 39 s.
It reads 4 h 33 min 20 s
